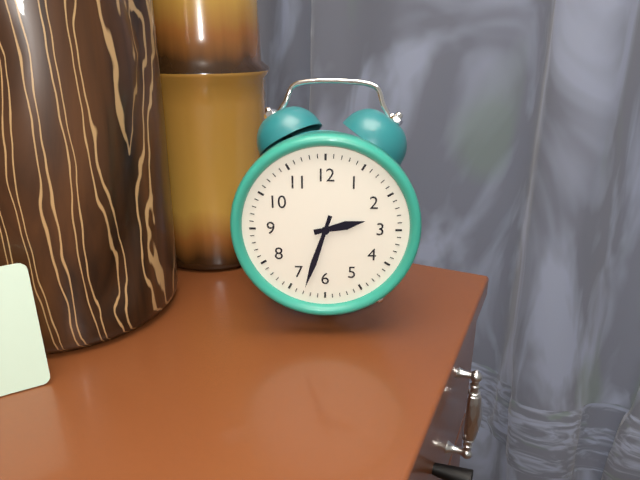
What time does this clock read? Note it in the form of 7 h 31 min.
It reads 2 h 33 min
